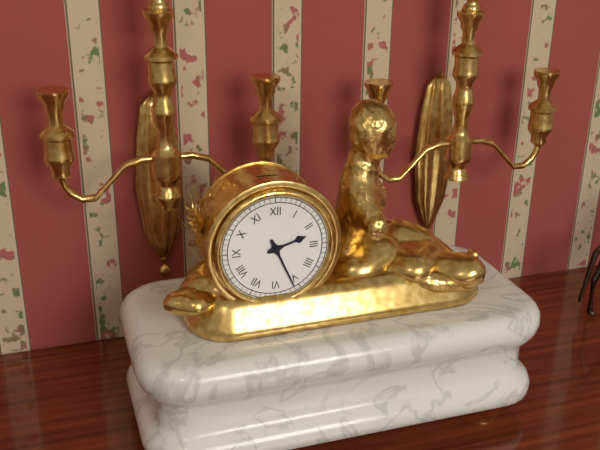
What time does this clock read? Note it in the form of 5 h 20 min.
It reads 2 h 26 min
